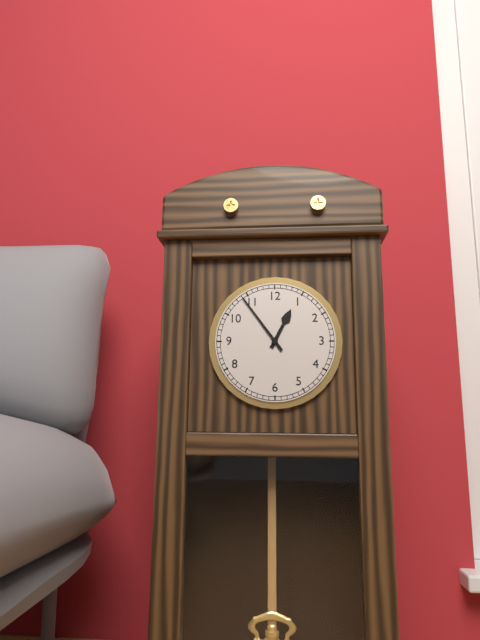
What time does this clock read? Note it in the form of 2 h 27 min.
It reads 12 h 54 min
